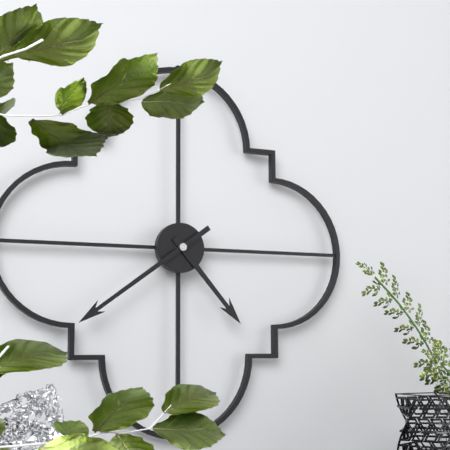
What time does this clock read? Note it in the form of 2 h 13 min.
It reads 4 h 39 min
